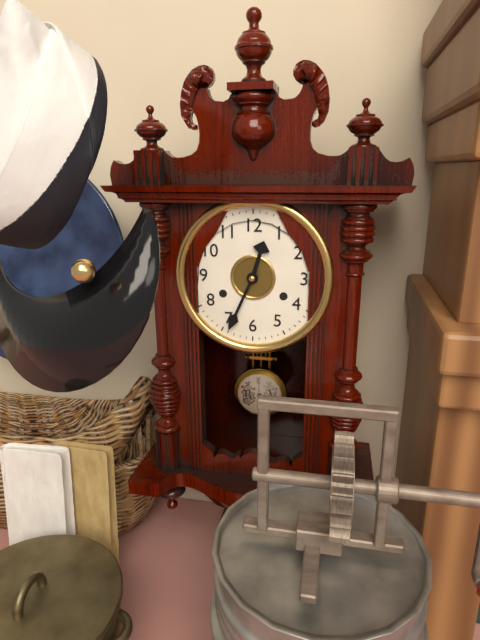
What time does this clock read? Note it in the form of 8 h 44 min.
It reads 12 h 34 min
